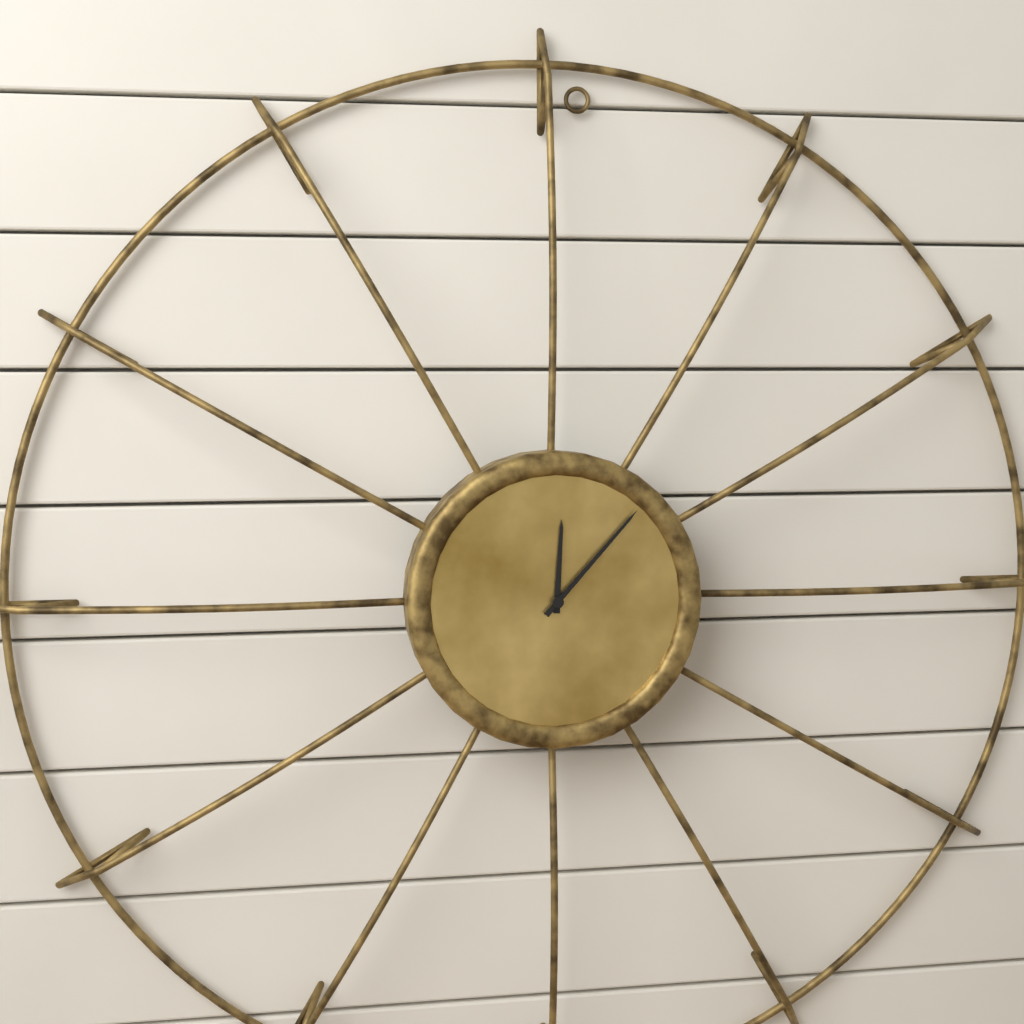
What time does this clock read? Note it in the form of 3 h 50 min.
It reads 12 h 07 min
